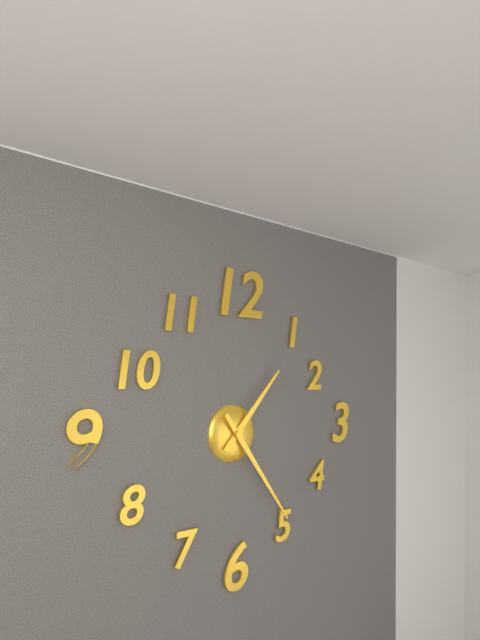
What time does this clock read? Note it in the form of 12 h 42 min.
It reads 1 h 24 min
